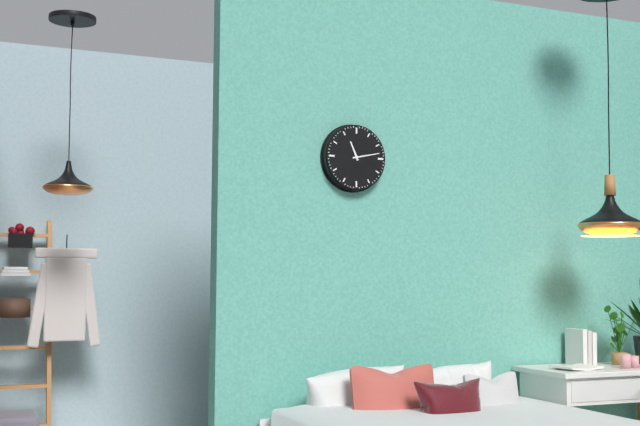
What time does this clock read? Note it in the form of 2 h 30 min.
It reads 11 h 13 min
